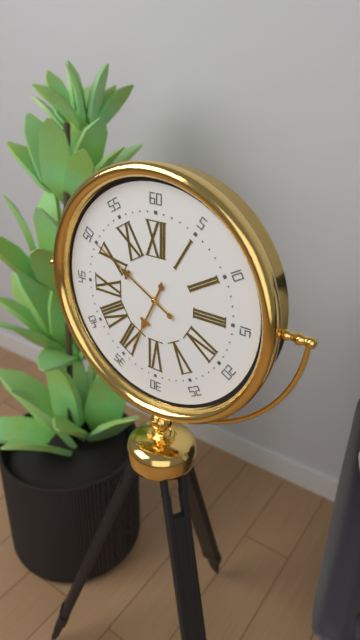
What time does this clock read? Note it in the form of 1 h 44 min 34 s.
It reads 6 h 50 min 34 s
